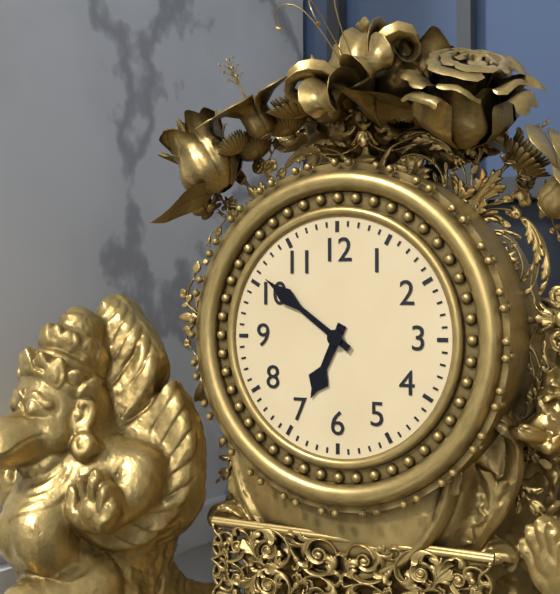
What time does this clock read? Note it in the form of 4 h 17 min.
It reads 6 h 51 min
